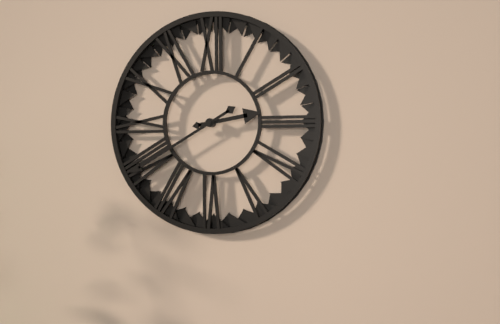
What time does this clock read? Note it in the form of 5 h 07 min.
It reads 2 h 40 min
